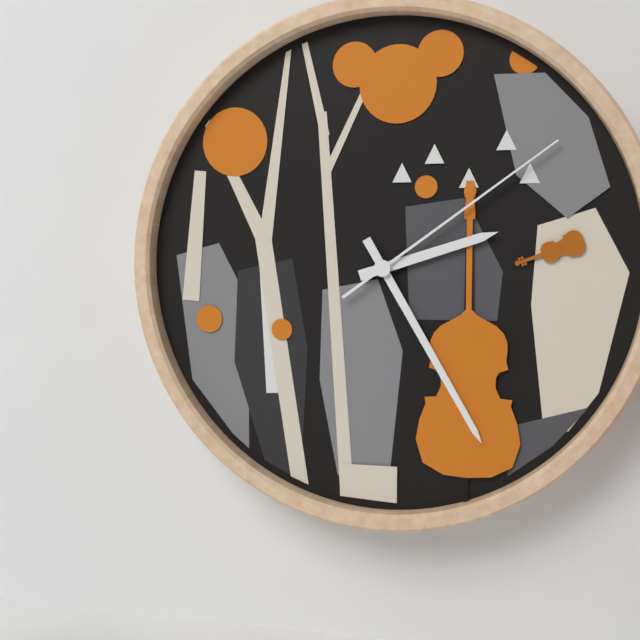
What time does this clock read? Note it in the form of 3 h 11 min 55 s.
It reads 2 h 25 min 09 s
